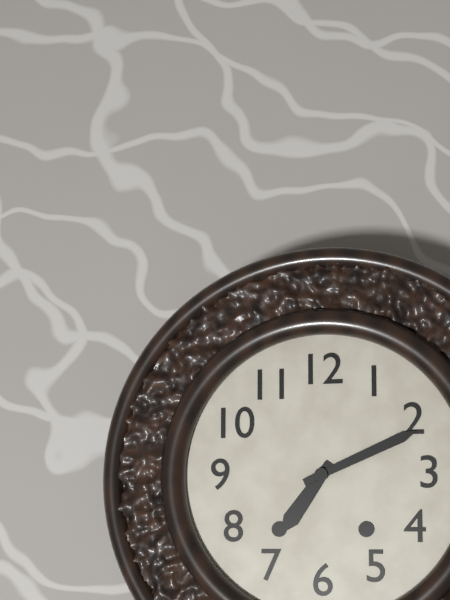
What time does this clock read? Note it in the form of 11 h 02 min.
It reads 7 h 11 min
